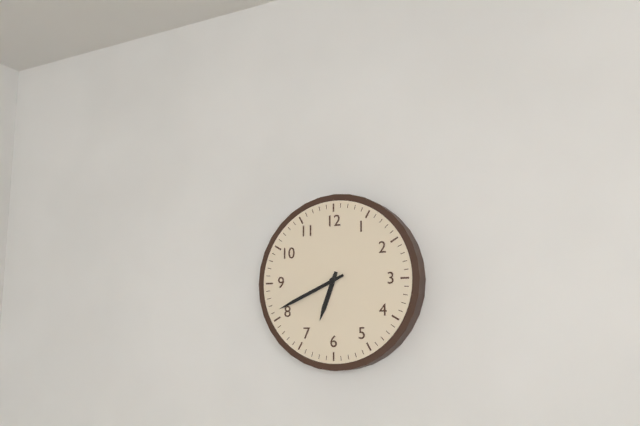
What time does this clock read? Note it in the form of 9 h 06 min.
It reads 6 h 41 min
